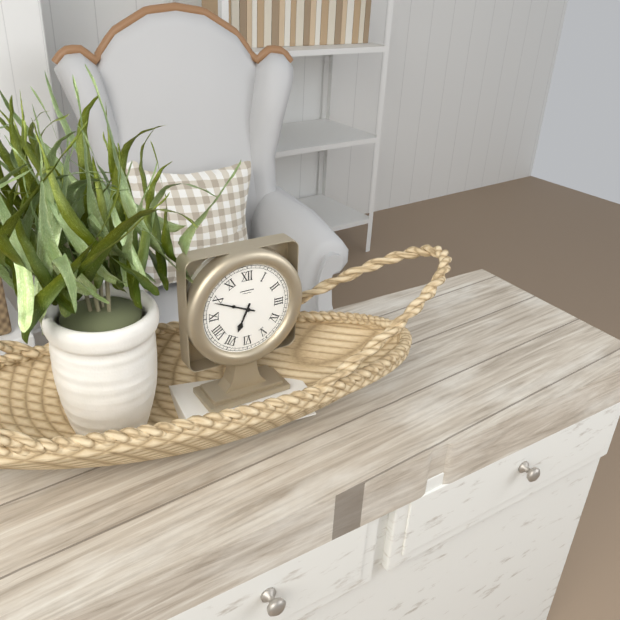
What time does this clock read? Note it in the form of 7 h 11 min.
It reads 6 h 49 min
